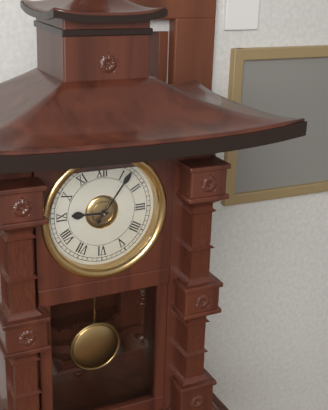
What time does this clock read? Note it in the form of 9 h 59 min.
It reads 9 h 06 min
